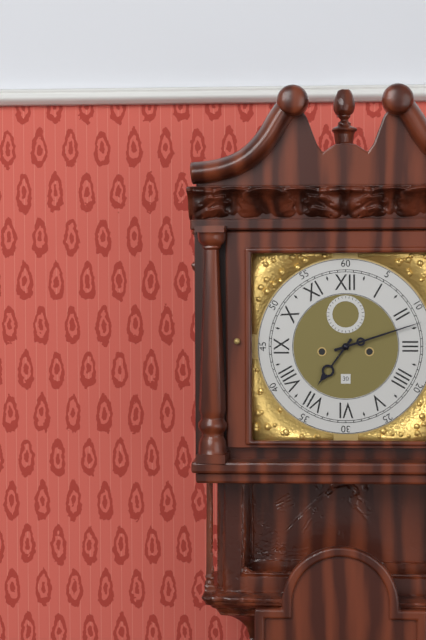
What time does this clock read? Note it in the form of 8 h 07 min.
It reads 7 h 12 min
